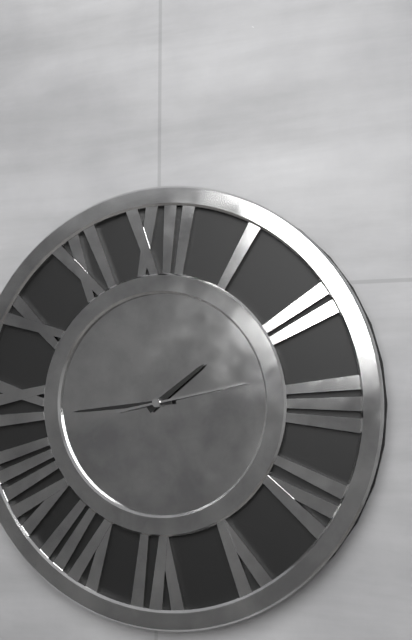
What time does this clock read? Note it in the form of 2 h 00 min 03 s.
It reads 1 h 44 min 13 s
